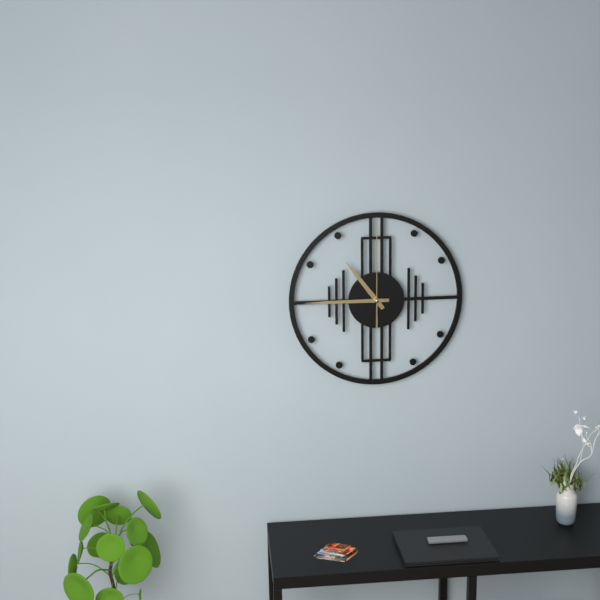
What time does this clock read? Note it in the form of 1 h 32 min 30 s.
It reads 10 h 45 min 00 s
